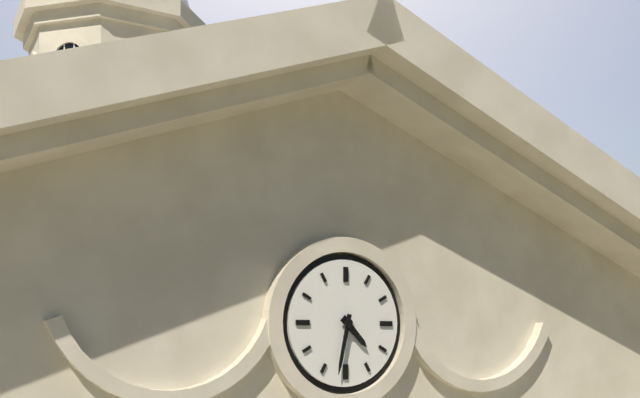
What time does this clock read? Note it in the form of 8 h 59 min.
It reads 4 h 32 min
